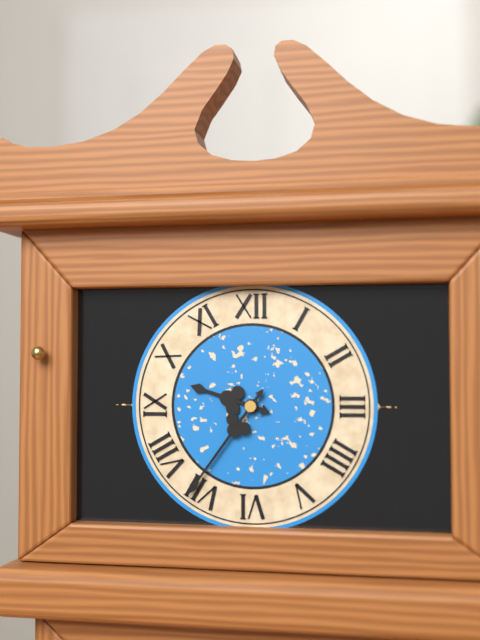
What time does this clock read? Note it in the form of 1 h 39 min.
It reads 9 h 36 min
